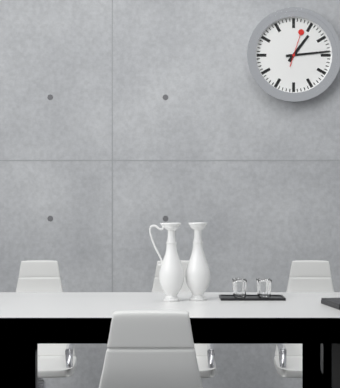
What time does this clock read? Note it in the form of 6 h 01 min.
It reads 1 h 14 min
